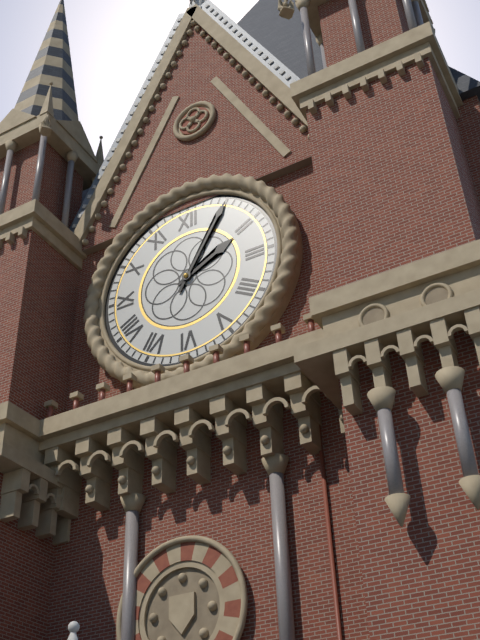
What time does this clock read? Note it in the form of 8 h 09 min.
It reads 2 h 05 min
